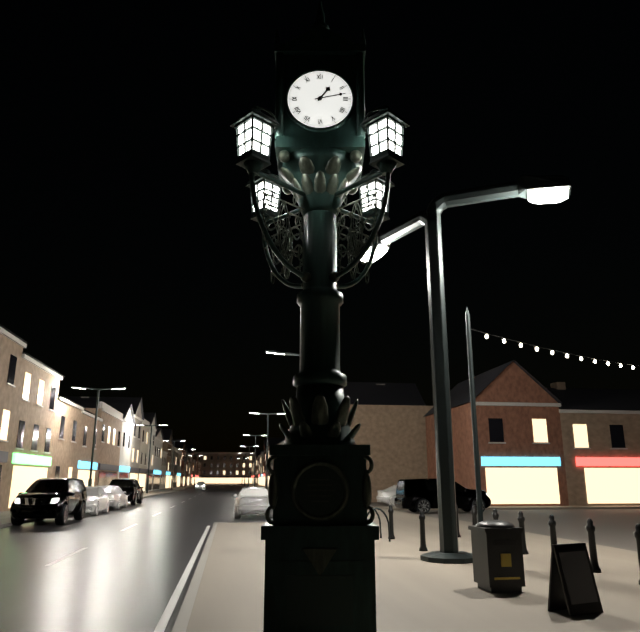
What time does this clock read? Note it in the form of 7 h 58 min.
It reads 1 h 13 min
